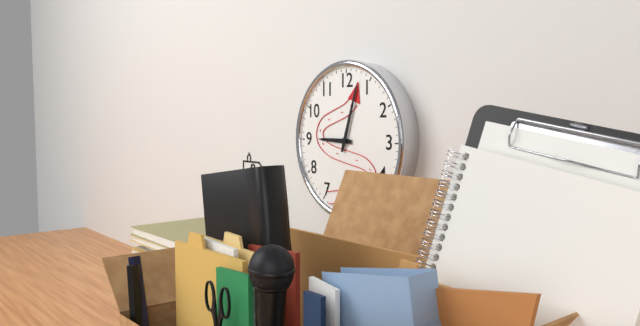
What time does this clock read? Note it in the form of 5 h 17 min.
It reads 9 h 03 min
